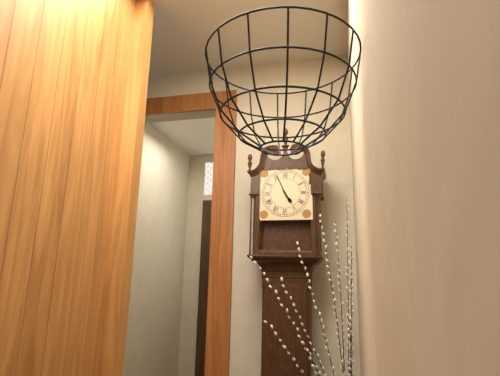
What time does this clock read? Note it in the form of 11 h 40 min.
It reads 4 h 56 min
